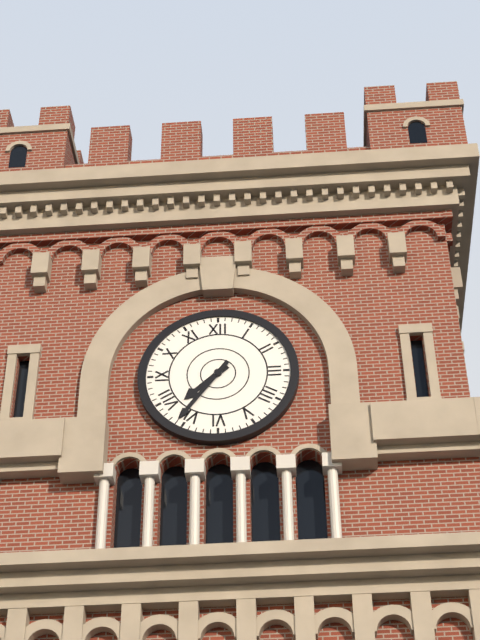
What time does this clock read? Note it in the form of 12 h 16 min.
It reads 7 h 36 min
